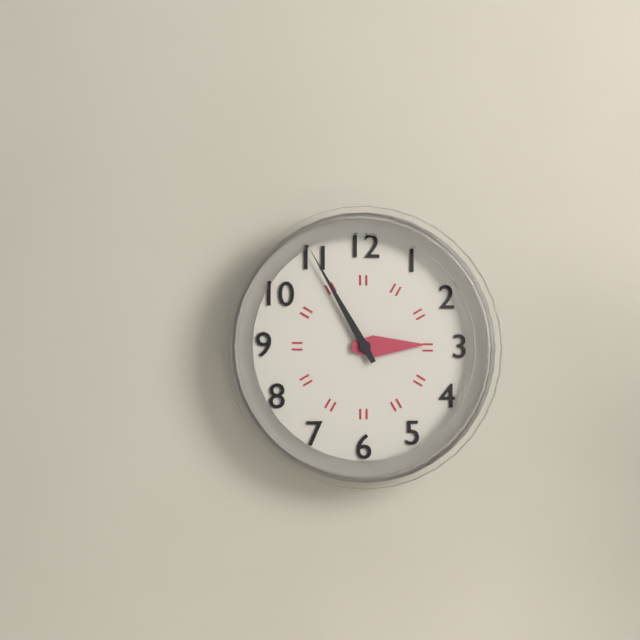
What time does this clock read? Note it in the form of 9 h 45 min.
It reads 2 h 55 min
